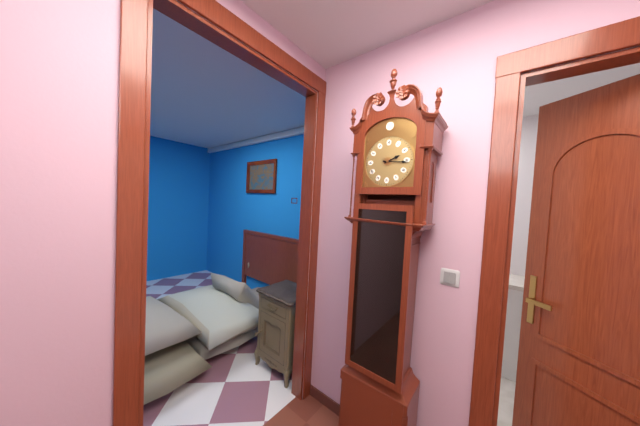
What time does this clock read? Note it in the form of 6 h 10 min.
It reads 2 h 16 min
